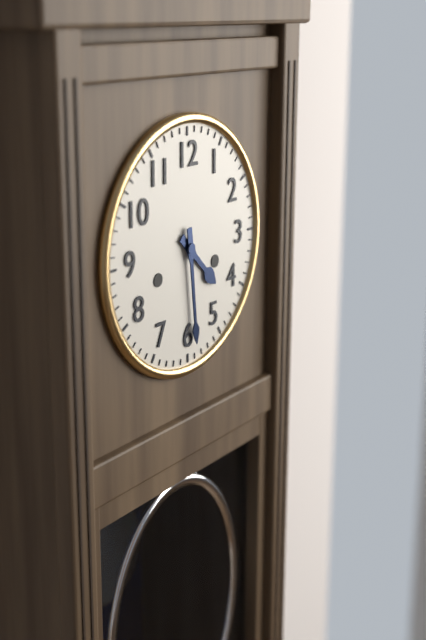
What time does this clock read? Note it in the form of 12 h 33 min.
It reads 4 h 29 min
